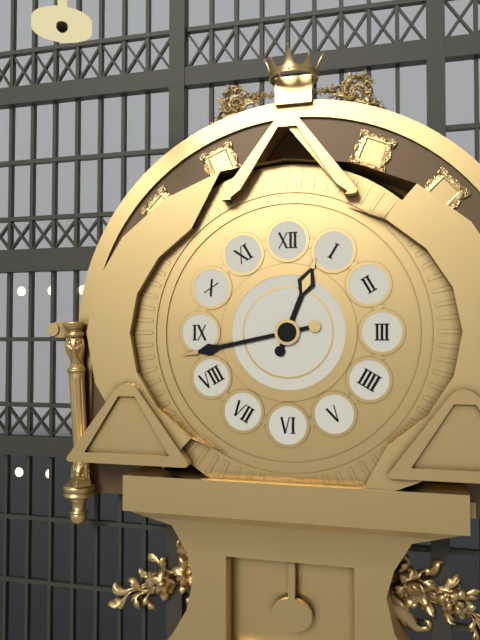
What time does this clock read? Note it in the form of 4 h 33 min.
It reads 12 h 43 min
